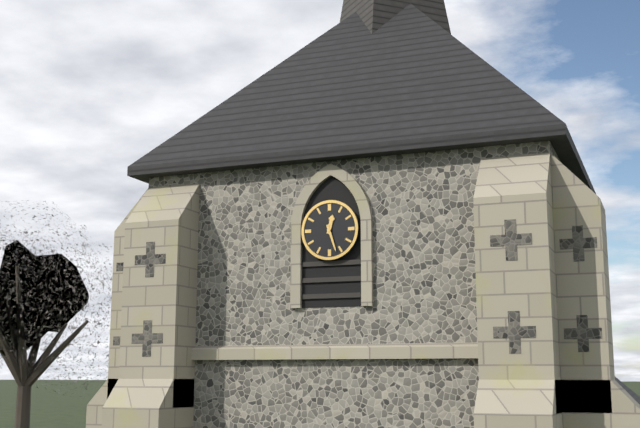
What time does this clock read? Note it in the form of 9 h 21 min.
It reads 12 h 27 min
